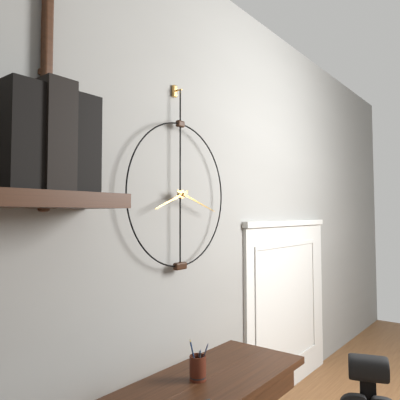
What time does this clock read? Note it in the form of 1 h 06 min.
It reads 8 h 18 min
